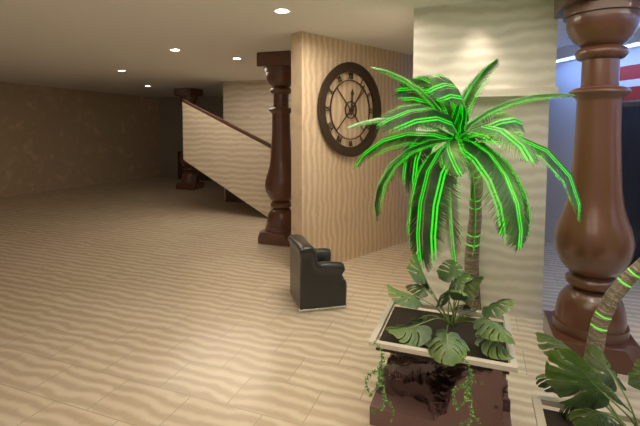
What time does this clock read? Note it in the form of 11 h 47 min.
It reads 12 h 06 min
